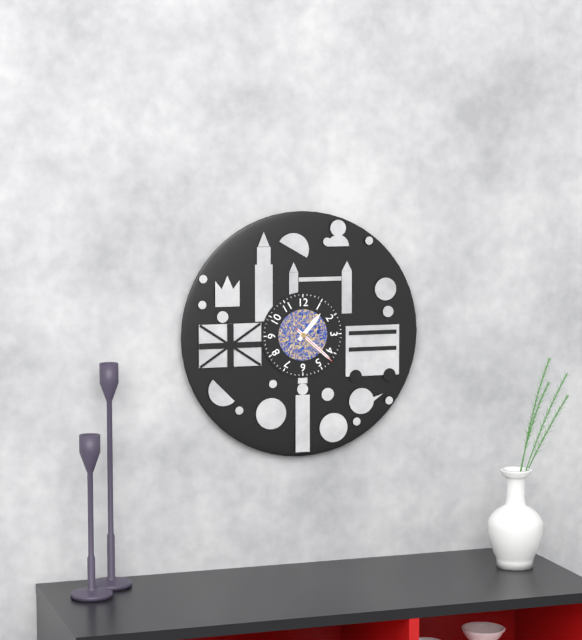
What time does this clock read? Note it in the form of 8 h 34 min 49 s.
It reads 1 h 22 min 22 s
